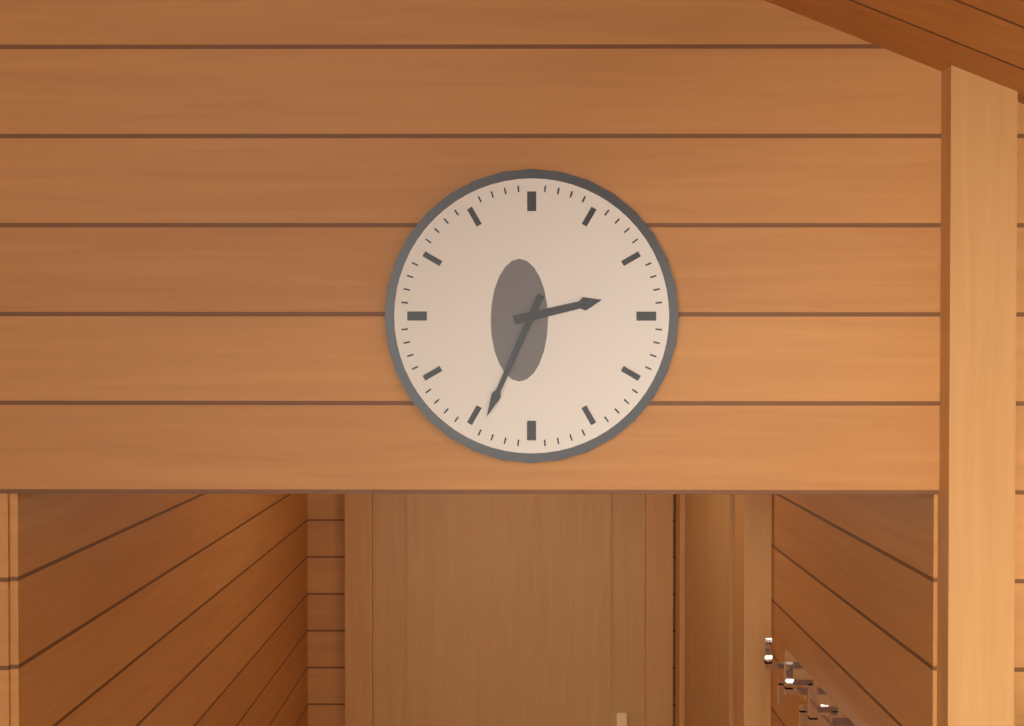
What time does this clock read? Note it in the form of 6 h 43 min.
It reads 2 h 34 min
